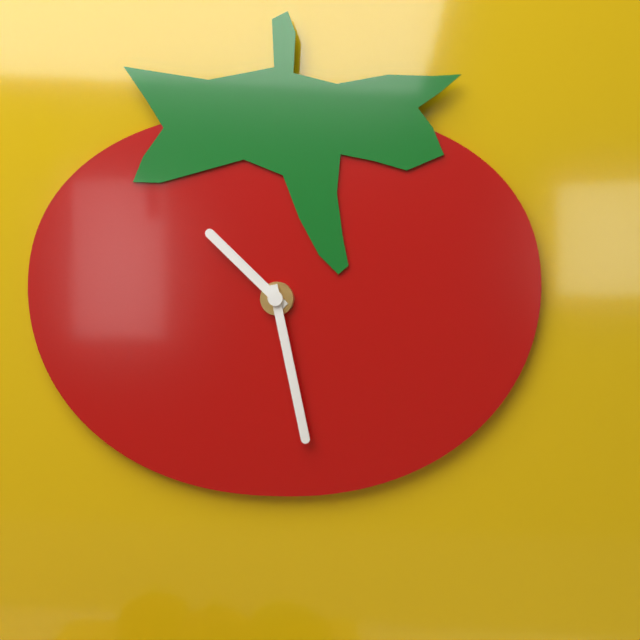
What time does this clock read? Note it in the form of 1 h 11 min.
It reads 10 h 28 min
